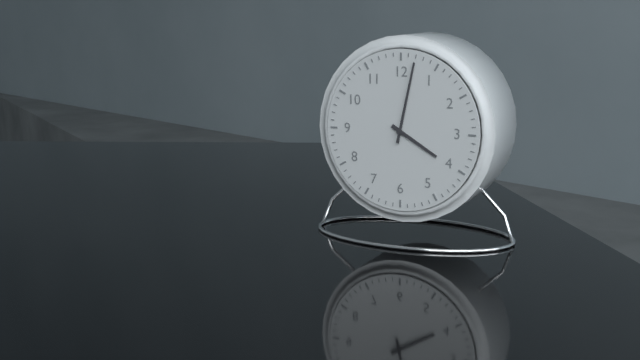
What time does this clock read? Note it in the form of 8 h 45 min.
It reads 4 h 02 min
